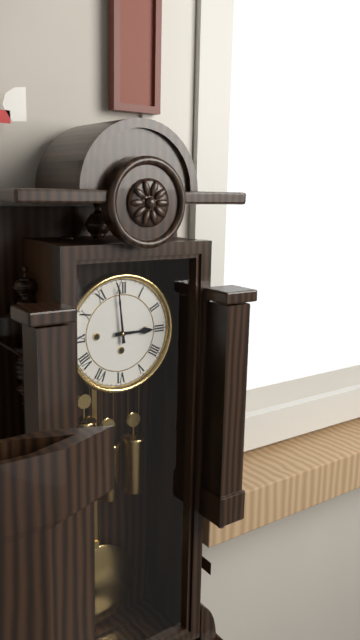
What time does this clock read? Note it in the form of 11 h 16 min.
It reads 2 h 59 min
